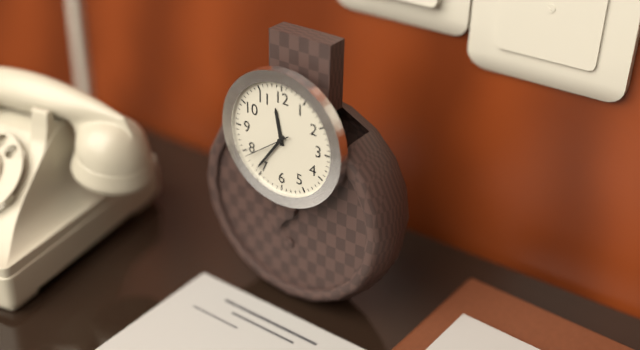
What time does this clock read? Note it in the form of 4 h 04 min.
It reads 11 h 36 min
